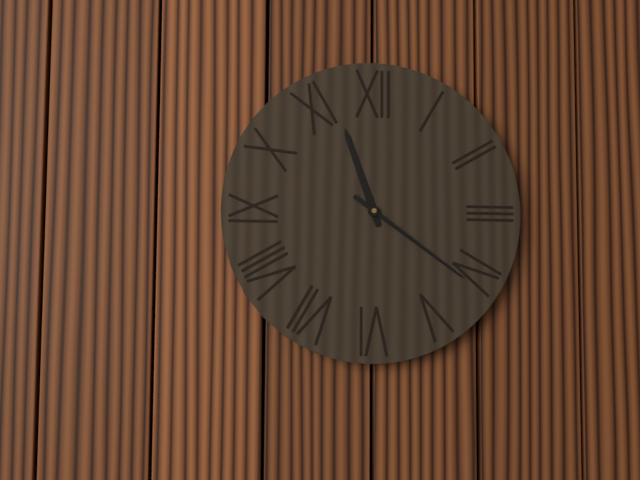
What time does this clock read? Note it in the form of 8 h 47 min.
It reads 11 h 21 min
